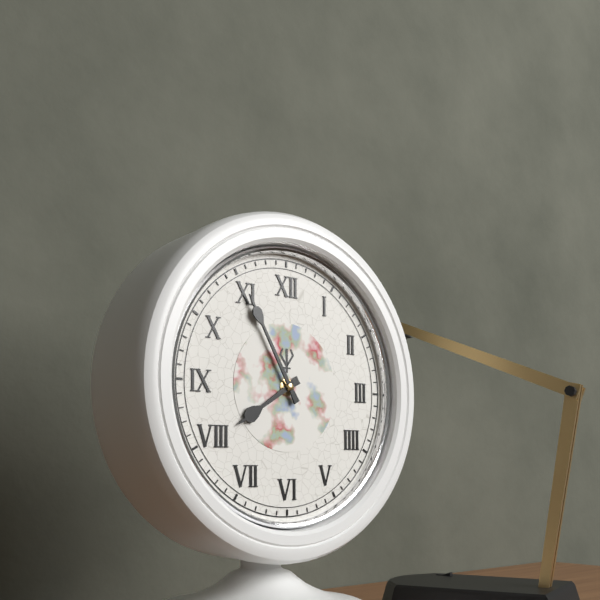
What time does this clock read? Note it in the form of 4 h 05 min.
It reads 7 h 55 min
